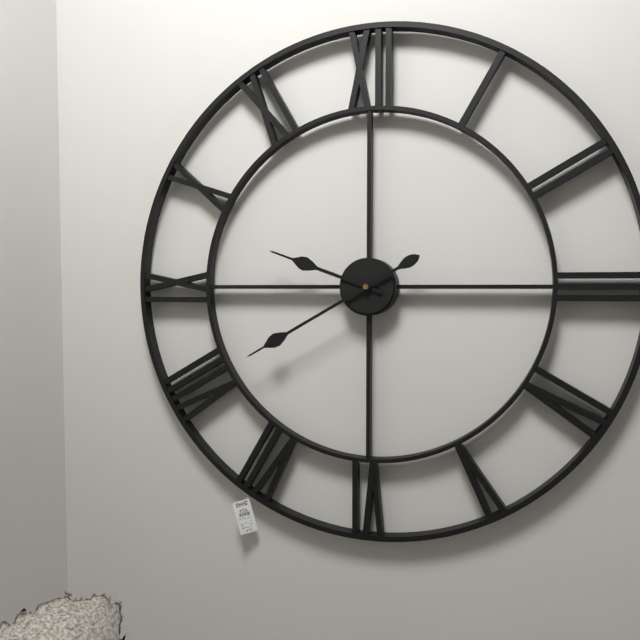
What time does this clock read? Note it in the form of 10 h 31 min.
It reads 9 h 40 min
